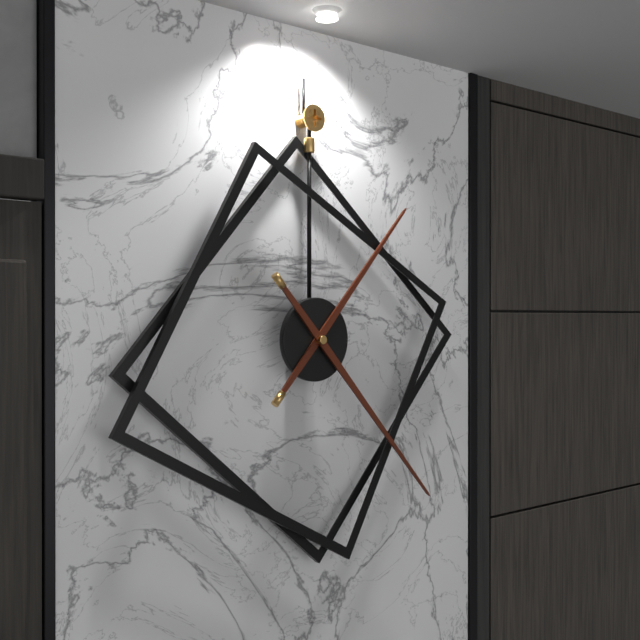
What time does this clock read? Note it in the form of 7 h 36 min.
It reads 1 h 23 min
